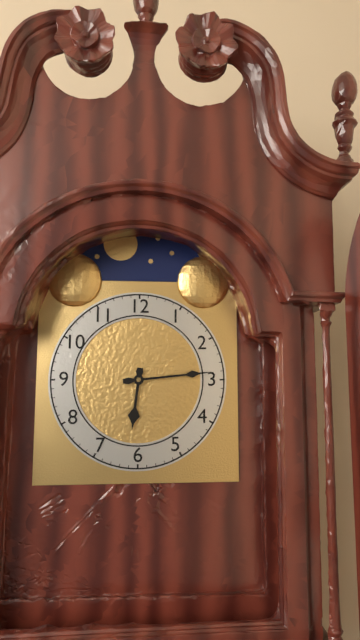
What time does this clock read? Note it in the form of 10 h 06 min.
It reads 6 h 14 min
